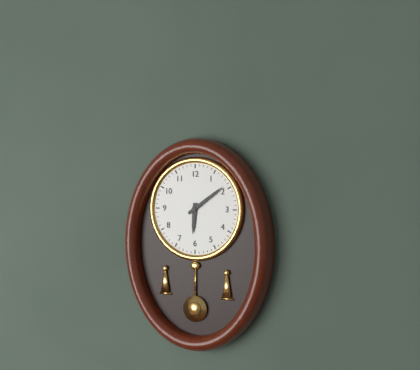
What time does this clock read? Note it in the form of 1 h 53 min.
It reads 6 h 09 min
